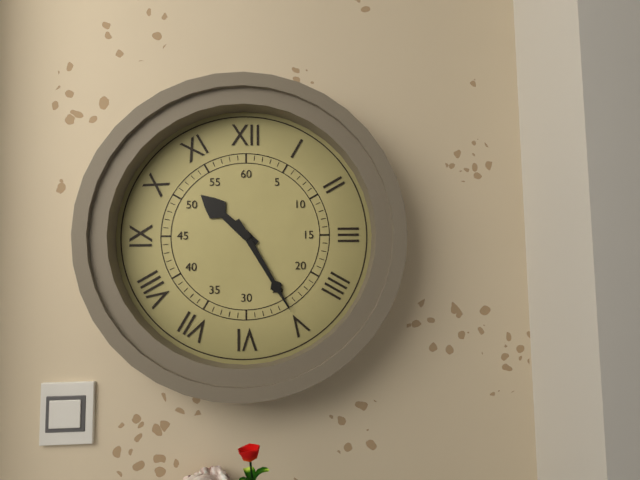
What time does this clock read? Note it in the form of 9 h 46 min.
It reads 10 h 25 min
